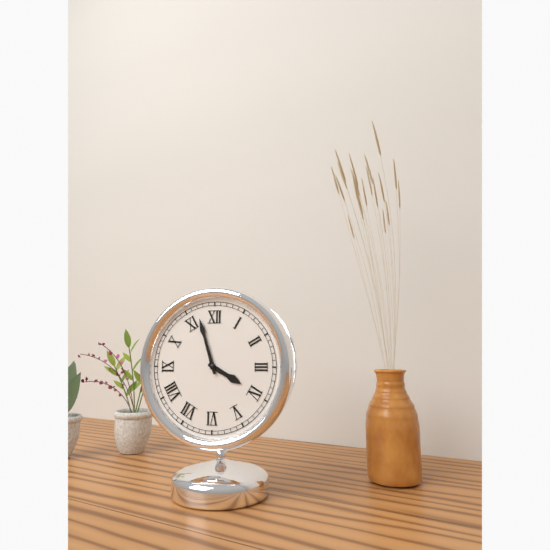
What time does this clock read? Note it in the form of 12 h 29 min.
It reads 3 h 57 min
